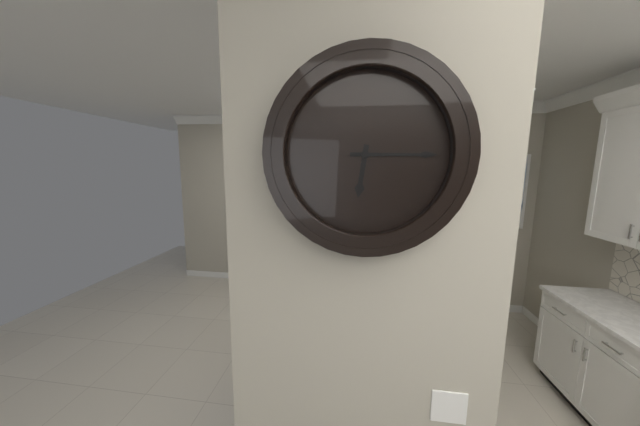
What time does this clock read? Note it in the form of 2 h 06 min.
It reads 6 h 15 min
